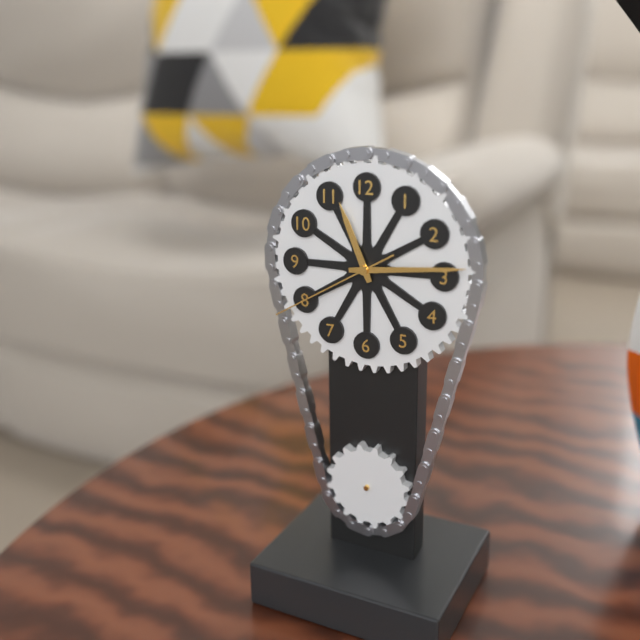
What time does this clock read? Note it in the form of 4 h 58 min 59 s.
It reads 11 h 14 min 40 s
